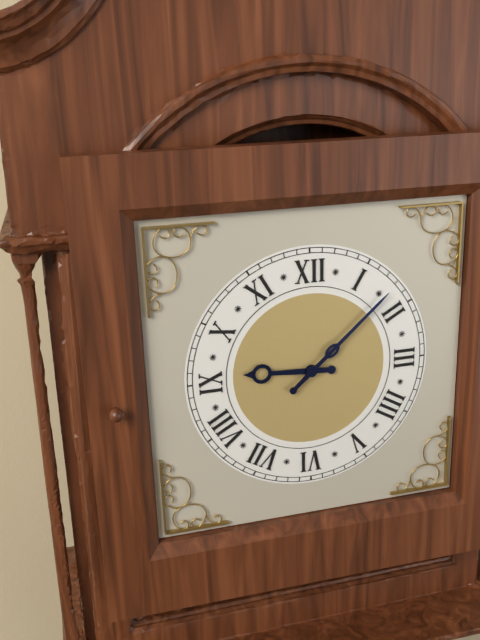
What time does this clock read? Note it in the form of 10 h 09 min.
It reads 9 h 08 min
